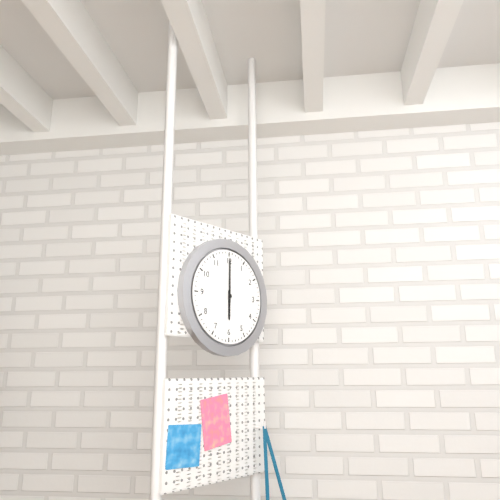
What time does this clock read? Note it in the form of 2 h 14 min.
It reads 6 h 00 min
